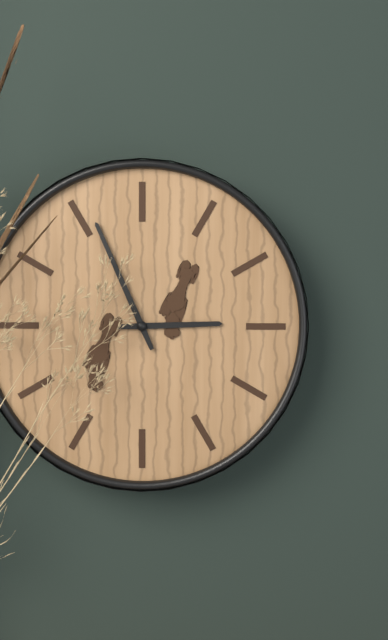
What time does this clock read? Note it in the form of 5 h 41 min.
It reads 2 h 56 min
